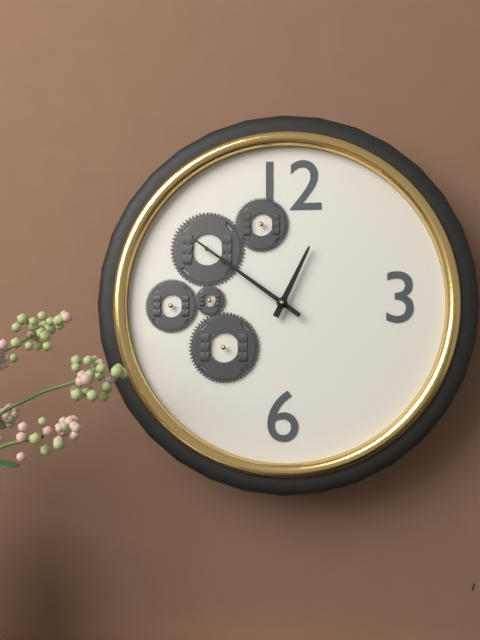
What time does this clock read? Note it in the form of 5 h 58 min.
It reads 12 h 51 min
